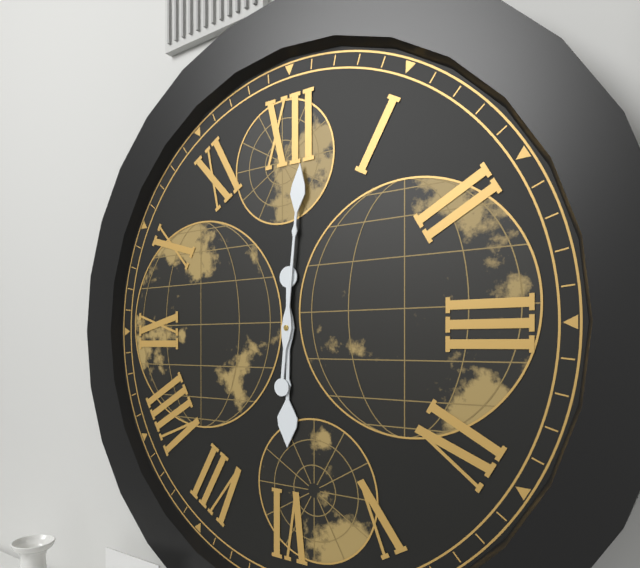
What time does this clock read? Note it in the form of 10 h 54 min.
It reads 6 h 01 min
